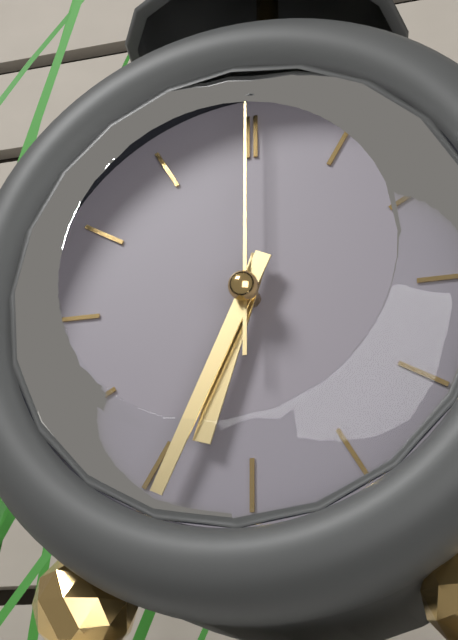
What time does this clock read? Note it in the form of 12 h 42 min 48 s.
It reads 6 h 34 min 00 s
